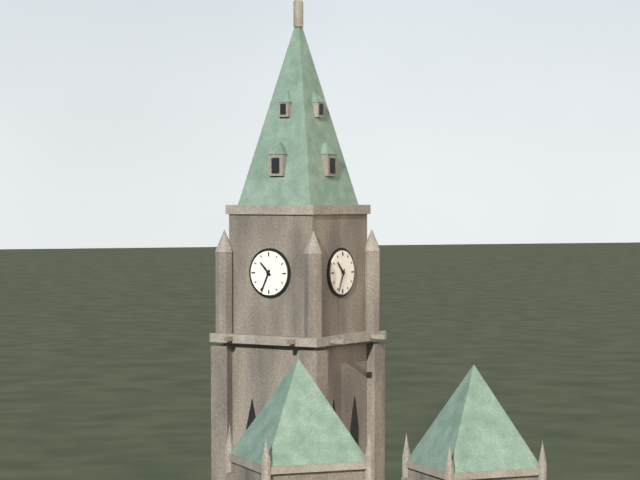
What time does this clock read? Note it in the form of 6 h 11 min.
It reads 10 h 34 min
